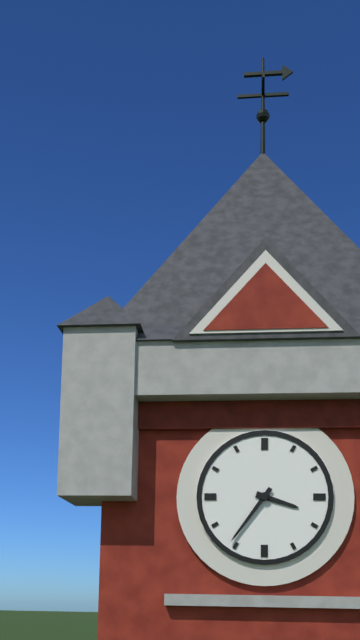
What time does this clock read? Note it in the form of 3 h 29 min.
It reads 3 h 36 min
